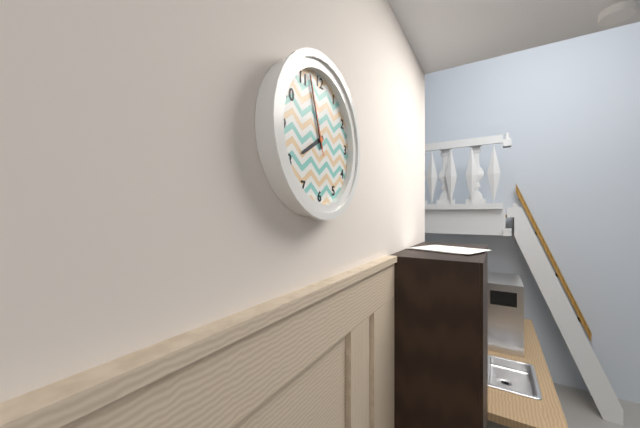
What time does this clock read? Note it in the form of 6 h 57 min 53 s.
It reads 7 h 57 min 57 s
